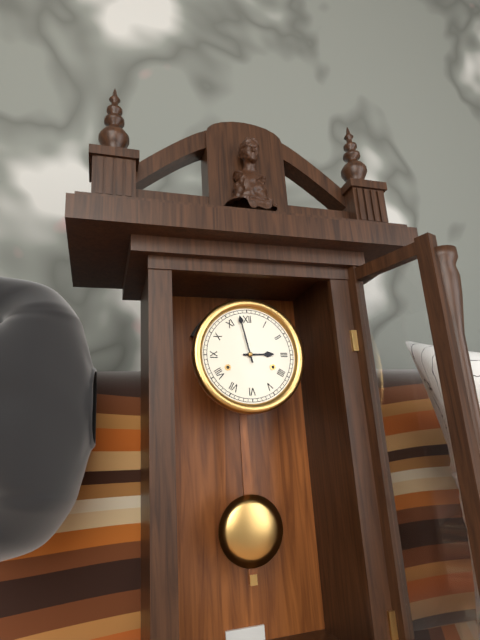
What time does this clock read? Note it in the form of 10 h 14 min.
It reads 2 h 58 min
